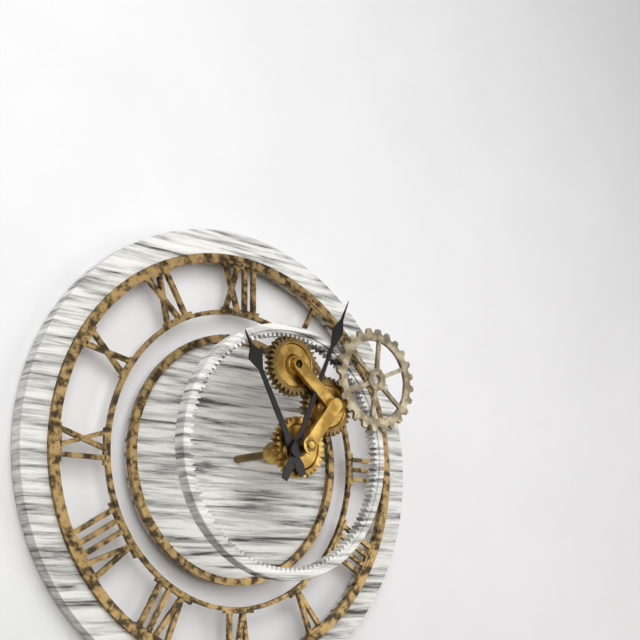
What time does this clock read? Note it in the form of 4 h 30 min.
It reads 11 h 04 min
